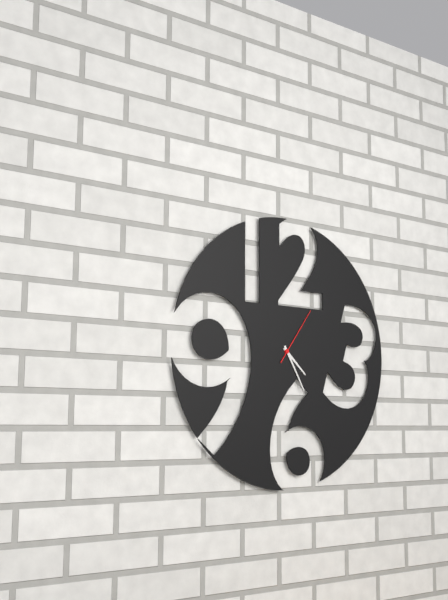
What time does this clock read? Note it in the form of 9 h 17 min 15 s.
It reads 4 h 25 min 06 s
